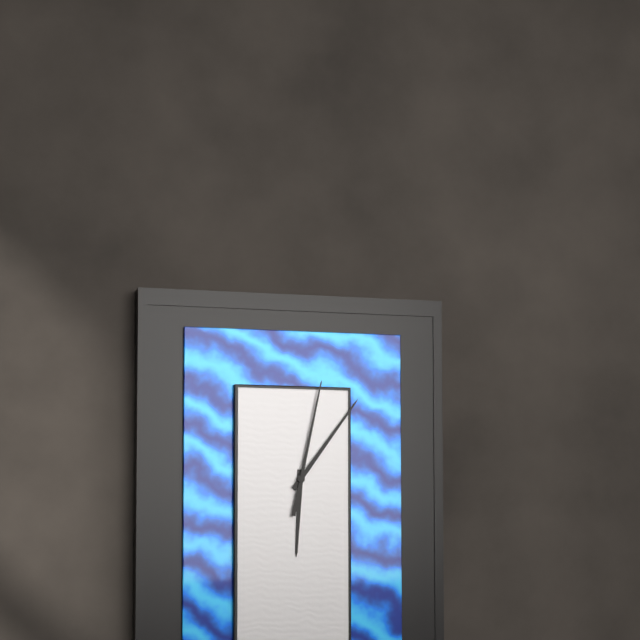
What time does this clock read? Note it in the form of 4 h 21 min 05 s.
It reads 6 h 06 min 02 s
